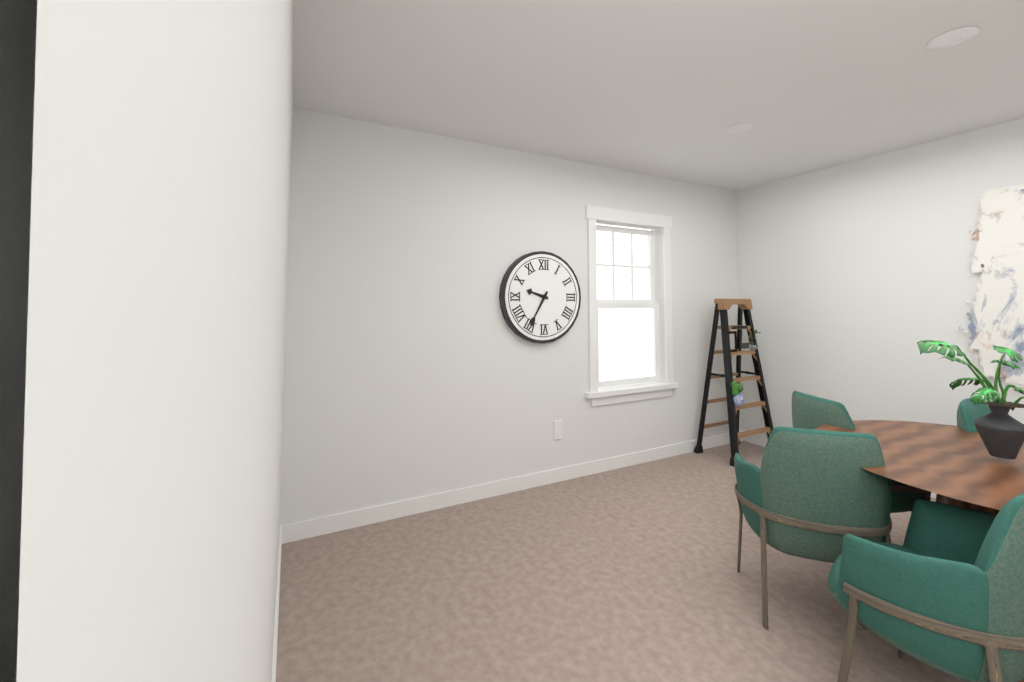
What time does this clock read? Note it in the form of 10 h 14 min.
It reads 9 h 35 min
